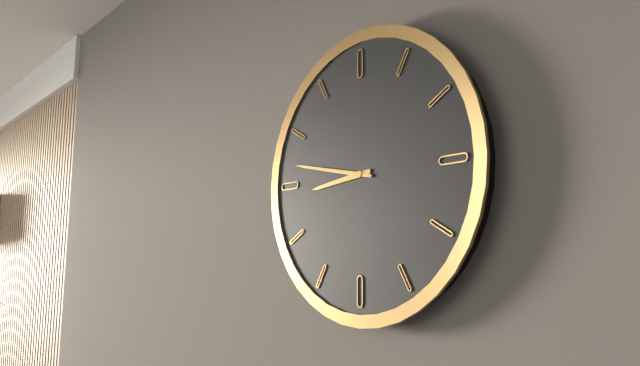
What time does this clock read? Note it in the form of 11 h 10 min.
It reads 8 h 47 min
